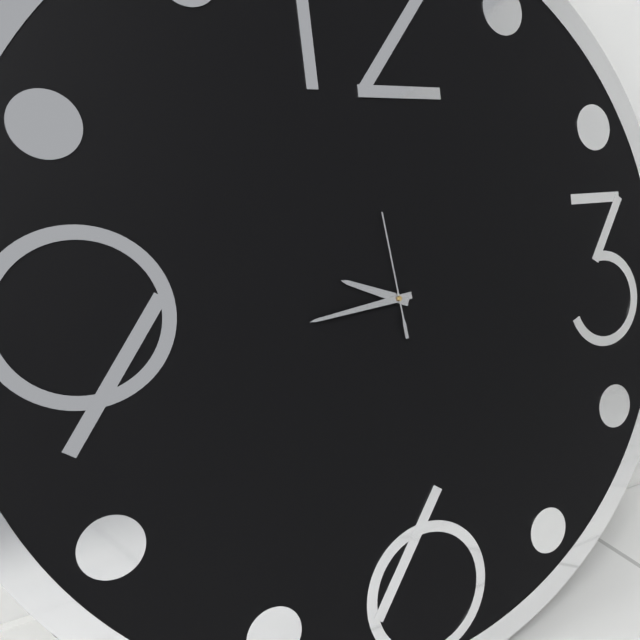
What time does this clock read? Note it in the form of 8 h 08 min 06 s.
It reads 9 h 44 min 59 s
